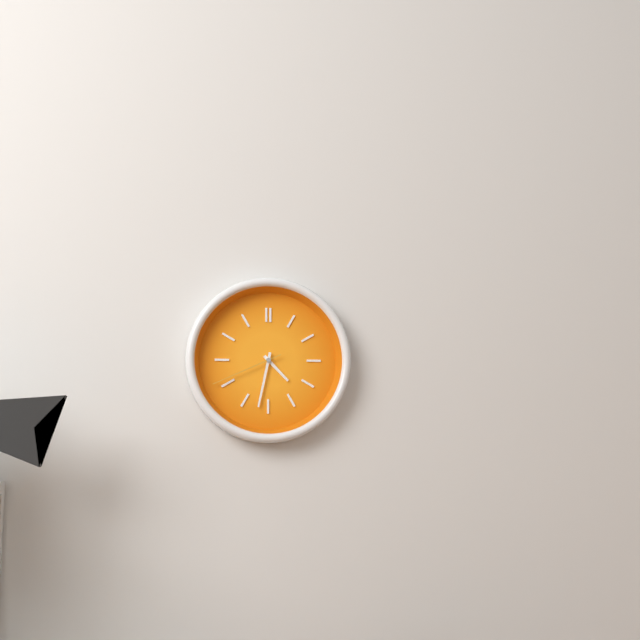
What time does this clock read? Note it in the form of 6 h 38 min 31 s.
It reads 4 h 32 min 41 s
